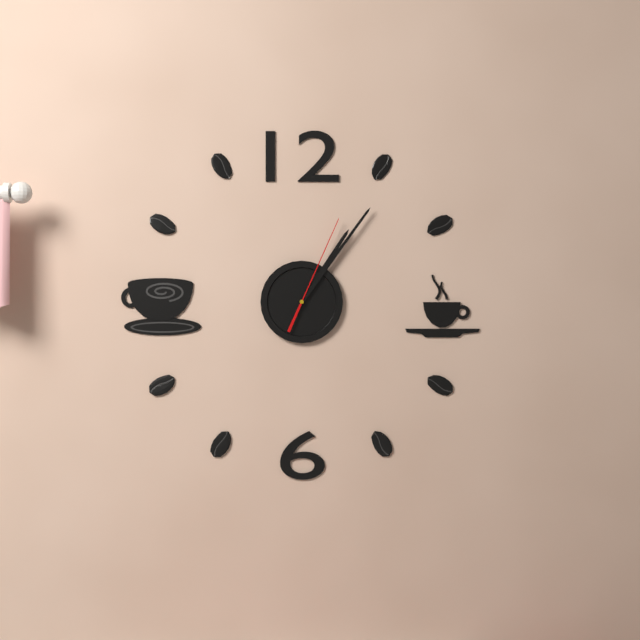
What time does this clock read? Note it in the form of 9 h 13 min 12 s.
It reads 1 h 06 min 04 s
